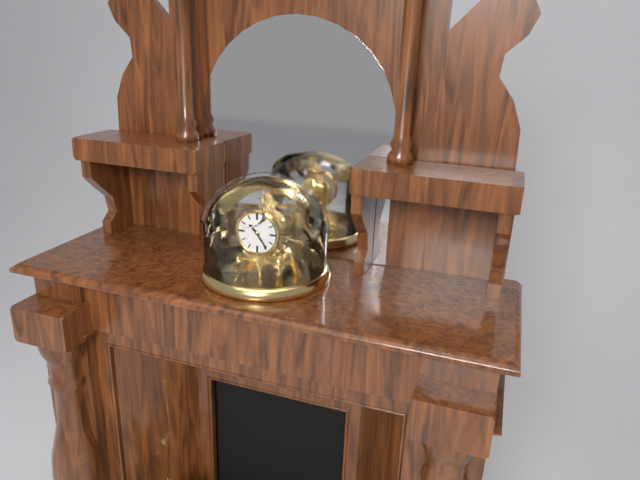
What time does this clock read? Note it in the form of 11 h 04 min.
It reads 10 h 24 min
